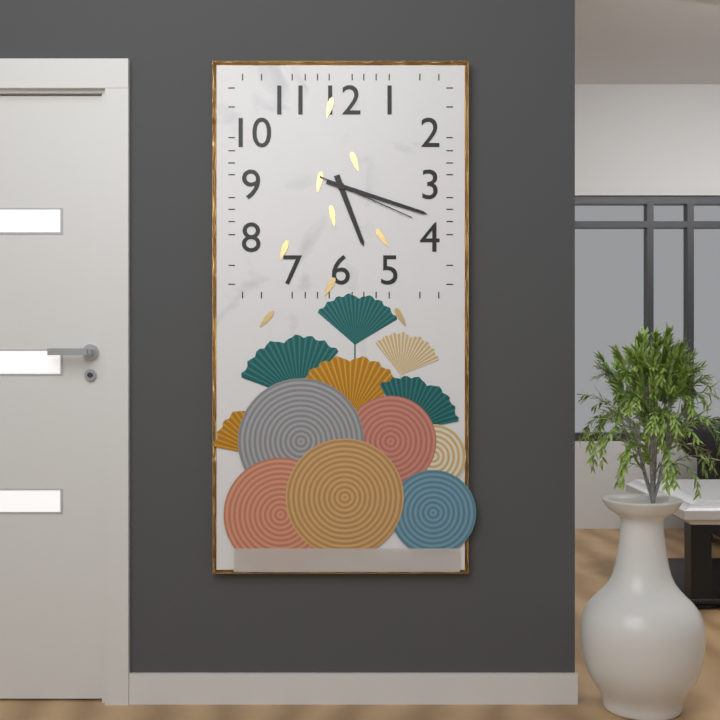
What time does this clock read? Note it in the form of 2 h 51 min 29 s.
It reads 5 h 18 min 19 s
